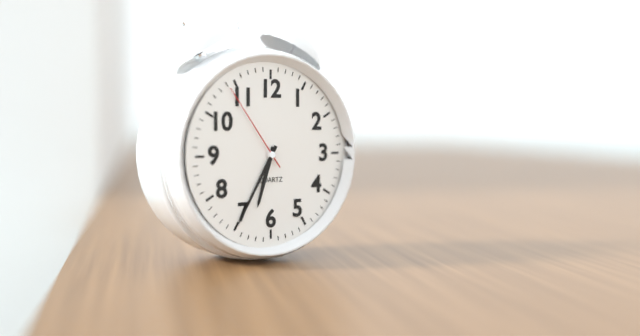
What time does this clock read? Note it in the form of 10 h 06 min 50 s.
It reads 6 h 35 min 54 s
